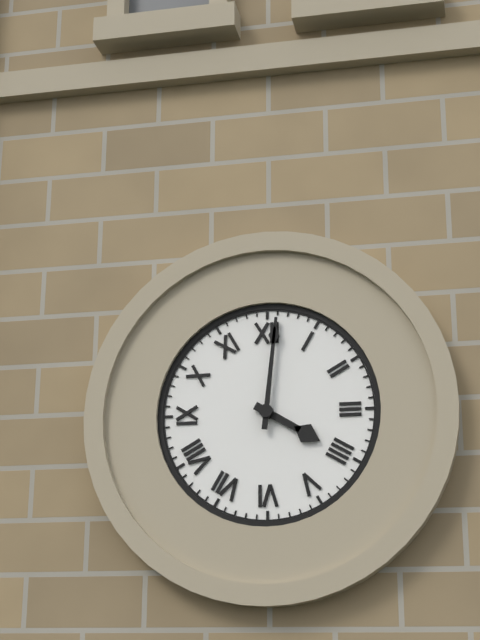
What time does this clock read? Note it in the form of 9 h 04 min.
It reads 4 h 01 min
